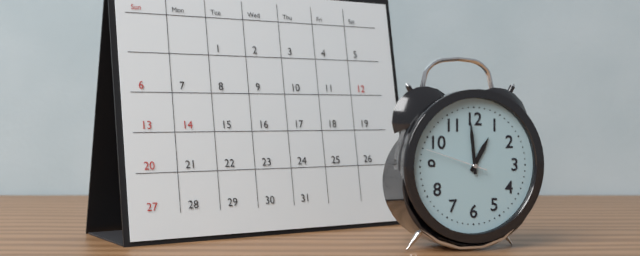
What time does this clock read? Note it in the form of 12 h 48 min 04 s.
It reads 12 h 59 min 48 s
